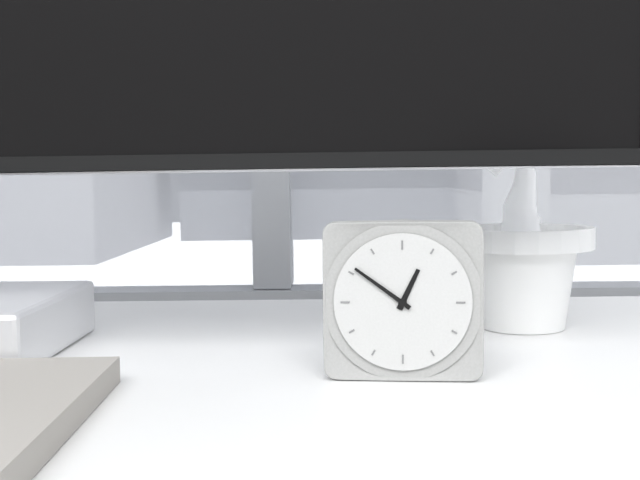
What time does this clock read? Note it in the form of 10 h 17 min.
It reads 12 h 51 min
